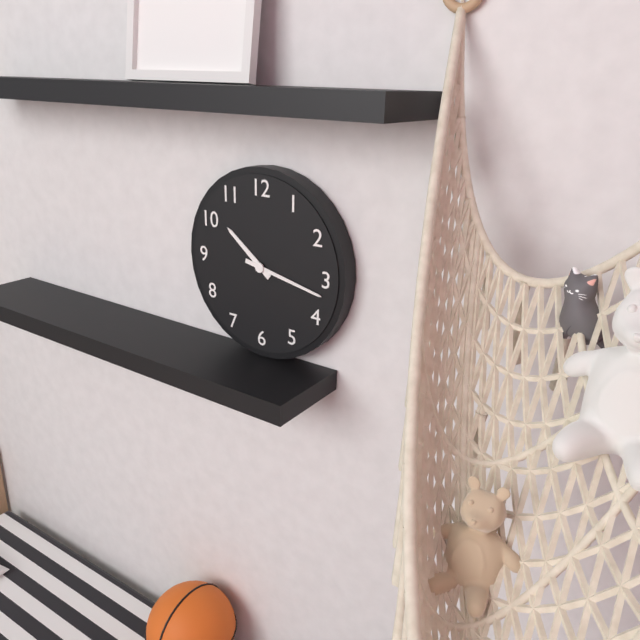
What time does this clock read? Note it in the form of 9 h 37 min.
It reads 10 h 17 min
